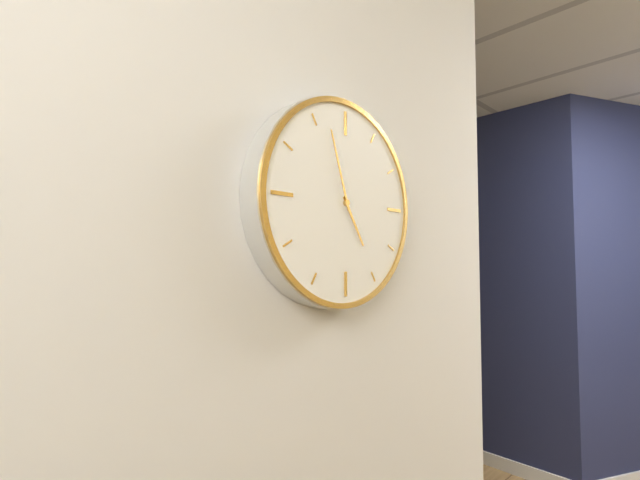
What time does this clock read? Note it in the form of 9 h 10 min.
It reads 4 h 57 min
